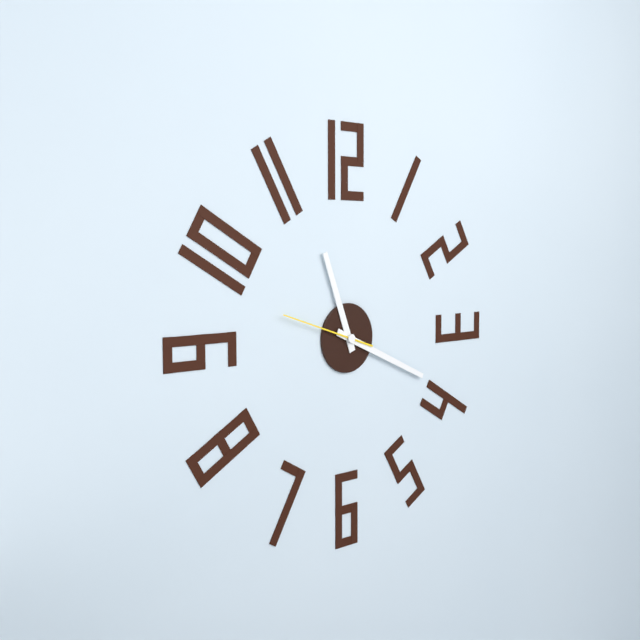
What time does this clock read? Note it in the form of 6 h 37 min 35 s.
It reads 11 h 19 min 48 s
